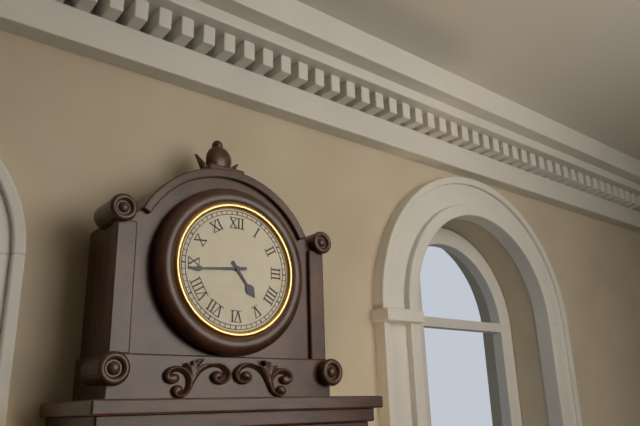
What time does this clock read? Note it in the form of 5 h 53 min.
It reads 4 h 44 min
